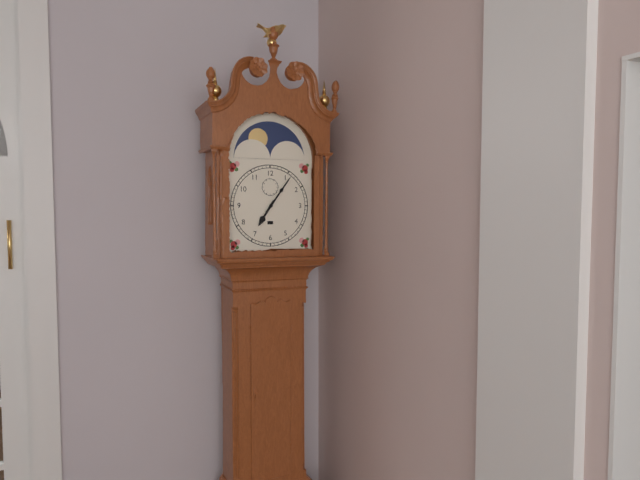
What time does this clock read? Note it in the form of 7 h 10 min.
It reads 7 h 06 min
